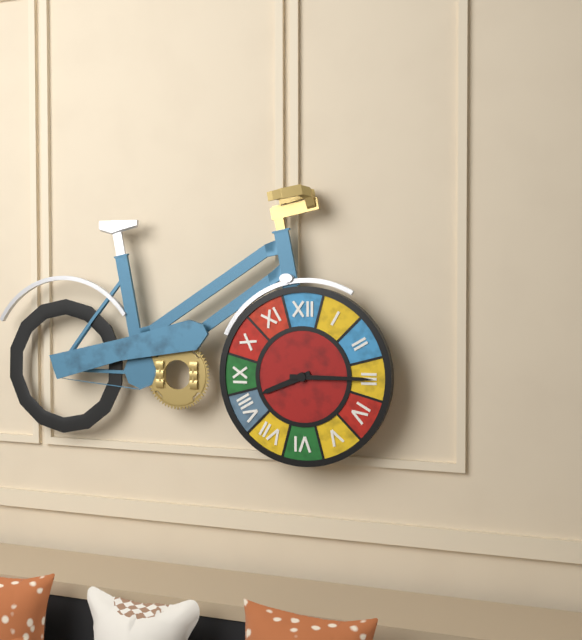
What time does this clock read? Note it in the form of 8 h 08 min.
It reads 8 h 15 min
